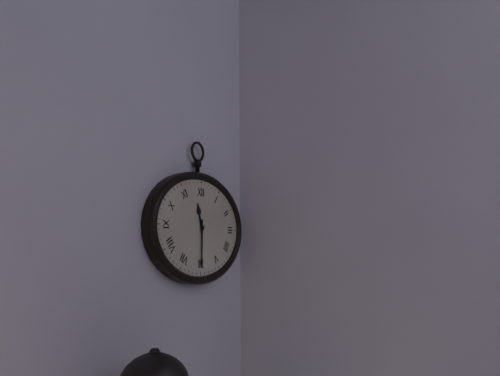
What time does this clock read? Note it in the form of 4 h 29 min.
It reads 11 h 30 min
